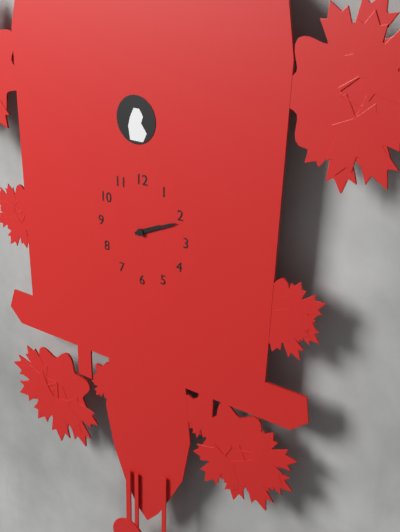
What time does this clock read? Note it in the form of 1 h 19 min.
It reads 2 h 11 min
